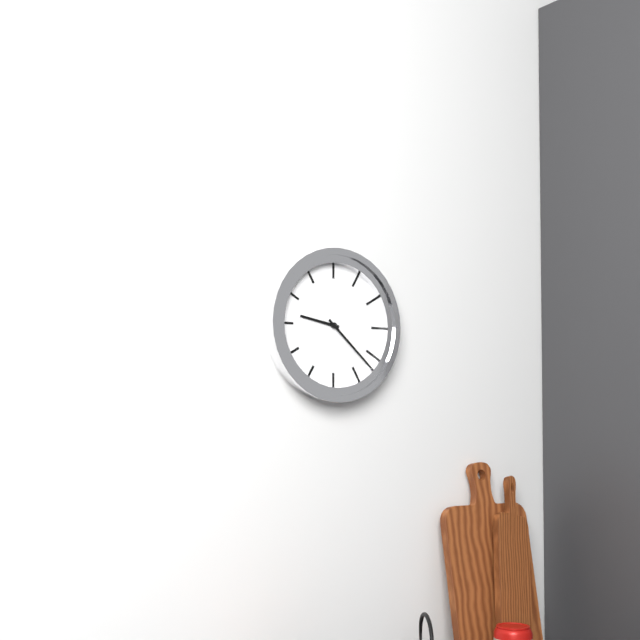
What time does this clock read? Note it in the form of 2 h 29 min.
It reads 9 h 22 min
